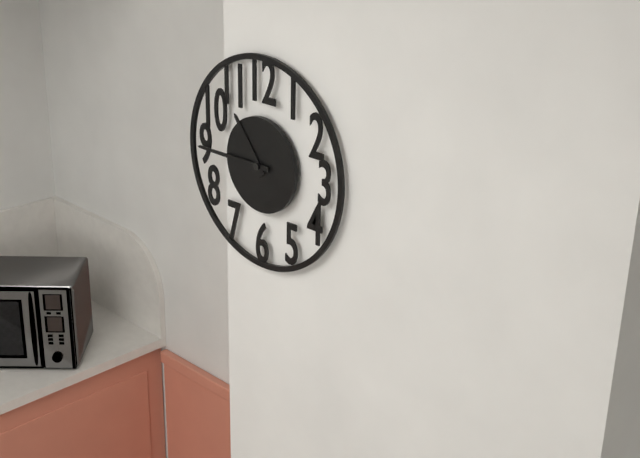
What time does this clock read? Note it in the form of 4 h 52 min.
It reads 10 h 45 min
